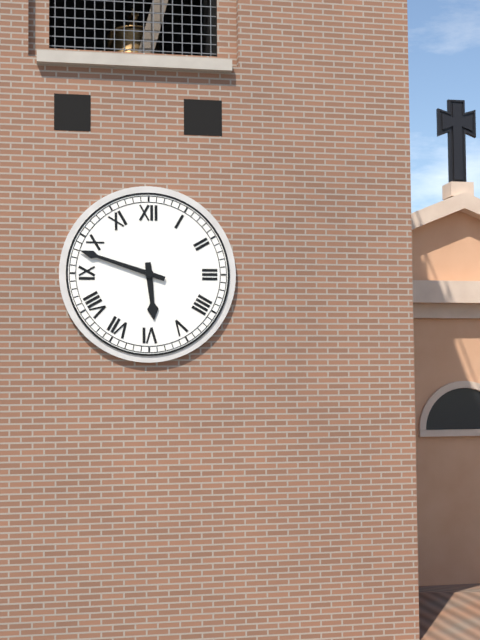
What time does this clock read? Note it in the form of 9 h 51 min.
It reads 5 h 48 min
